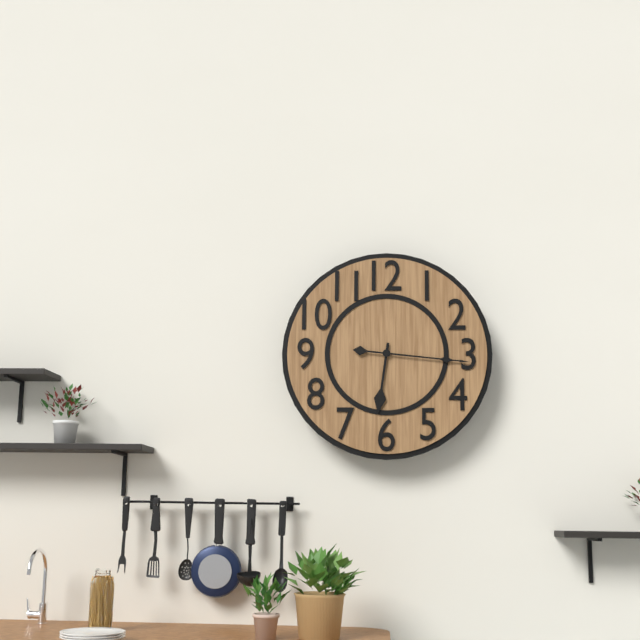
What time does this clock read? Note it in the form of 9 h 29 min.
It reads 6 h 16 min
